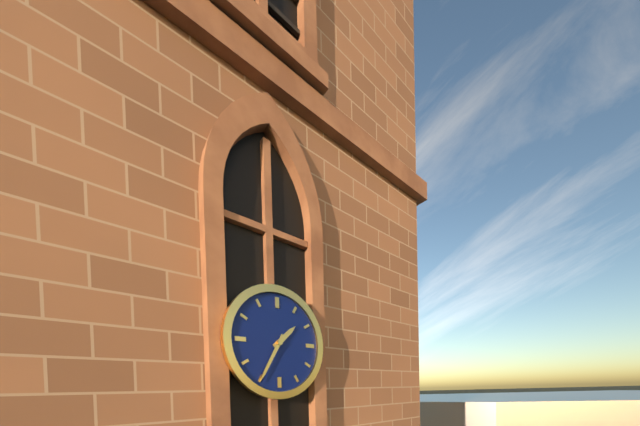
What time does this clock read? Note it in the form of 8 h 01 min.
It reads 1 h 35 min
